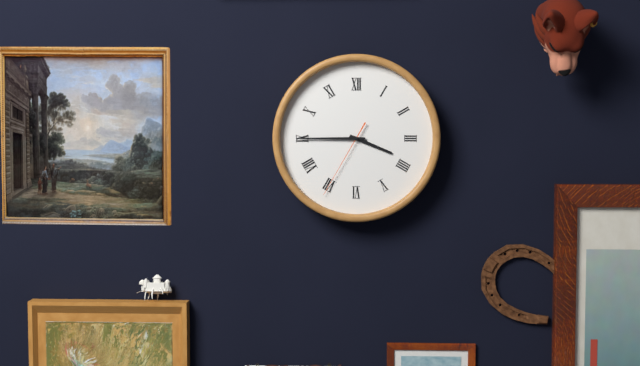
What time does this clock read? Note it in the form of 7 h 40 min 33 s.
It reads 3 h 45 min 35 s
